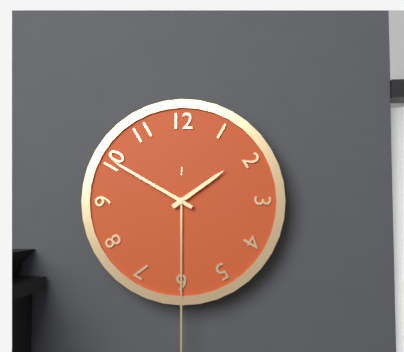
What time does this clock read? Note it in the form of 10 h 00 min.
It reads 1 h 50 min
